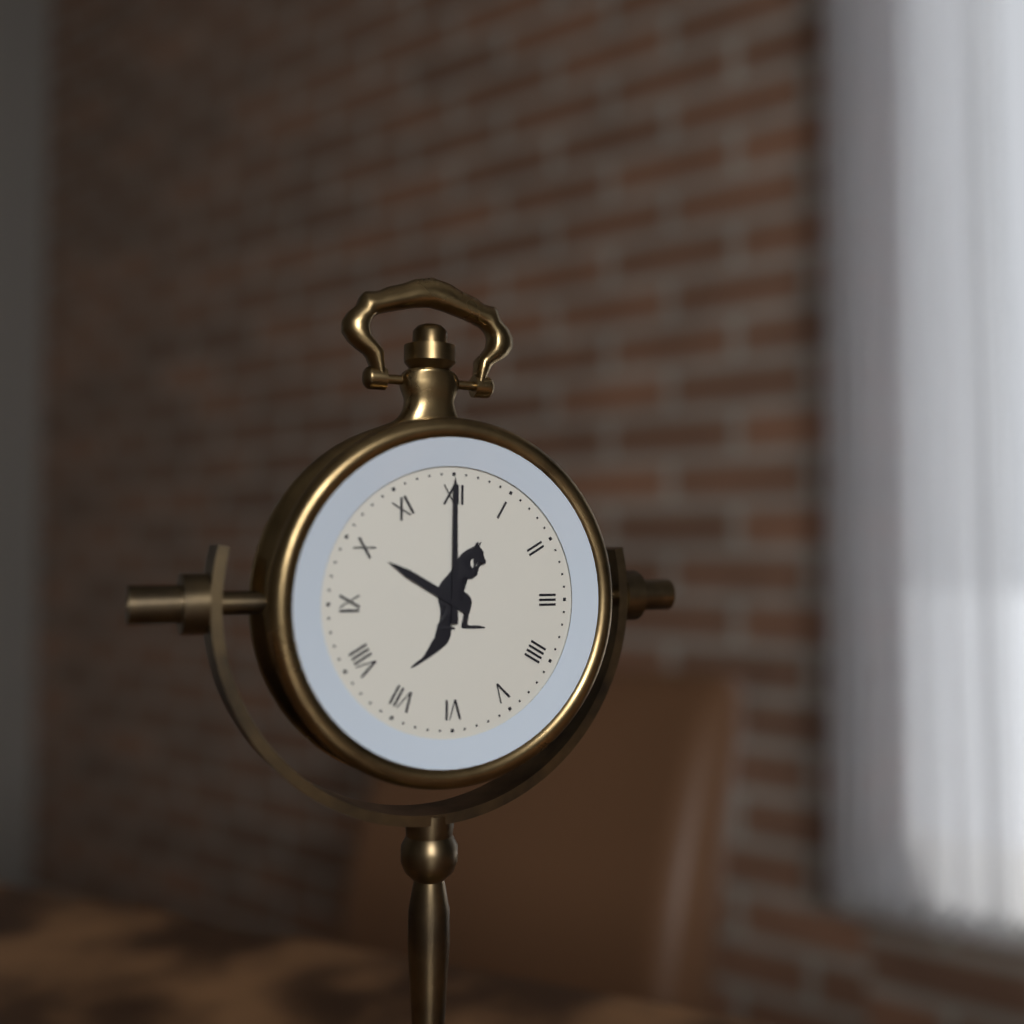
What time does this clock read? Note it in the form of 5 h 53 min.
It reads 10 h 00 min
